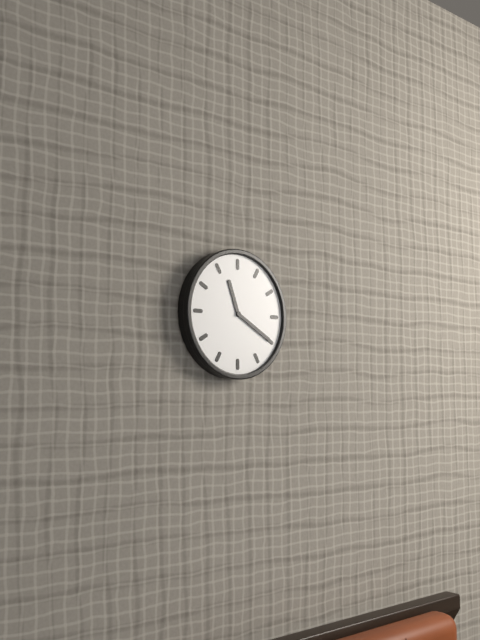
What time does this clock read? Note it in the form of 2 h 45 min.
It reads 11 h 20 min
